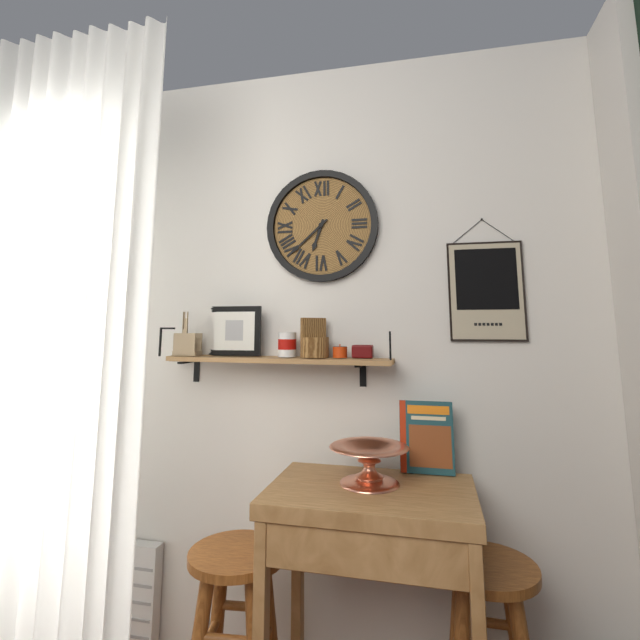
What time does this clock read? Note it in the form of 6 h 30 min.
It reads 6 h 38 min
